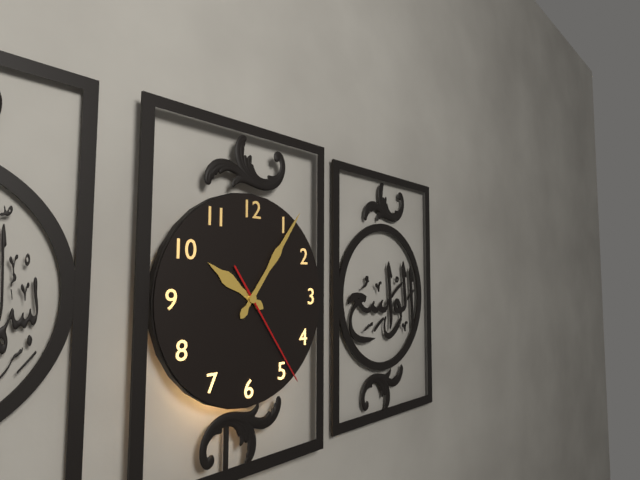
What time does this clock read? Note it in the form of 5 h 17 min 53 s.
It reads 10 h 06 min 24 s
